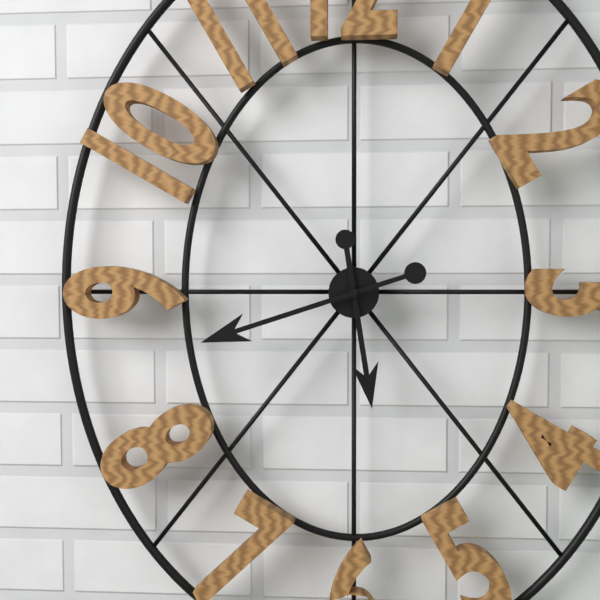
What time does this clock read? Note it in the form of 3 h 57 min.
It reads 5 h 42 min
